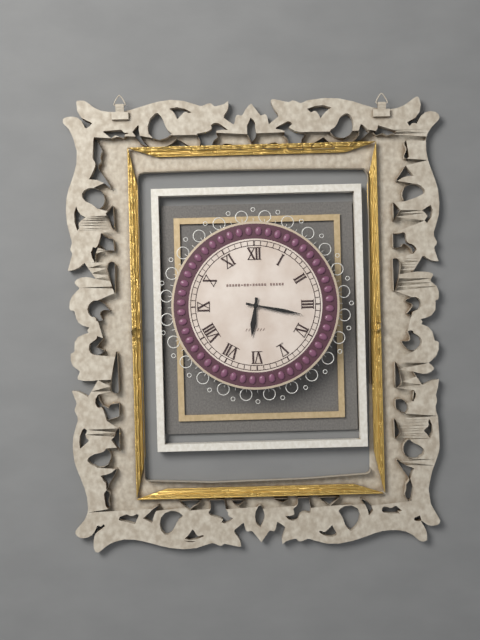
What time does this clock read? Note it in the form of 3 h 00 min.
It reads 6 h 17 min
